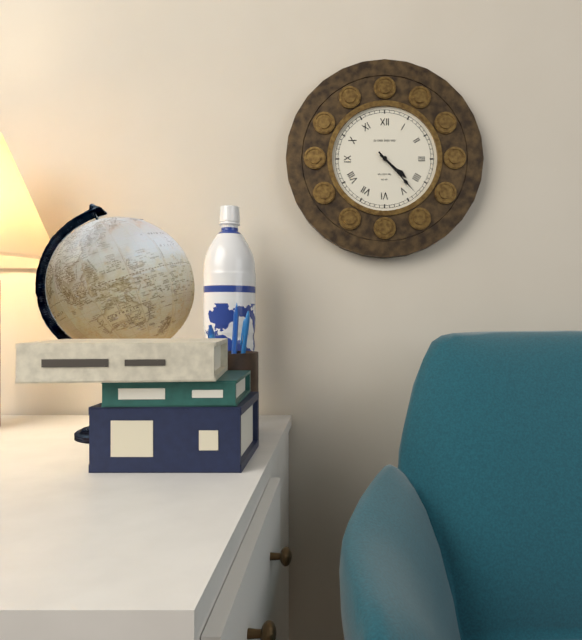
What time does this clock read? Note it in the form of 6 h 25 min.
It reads 4 h 23 min
